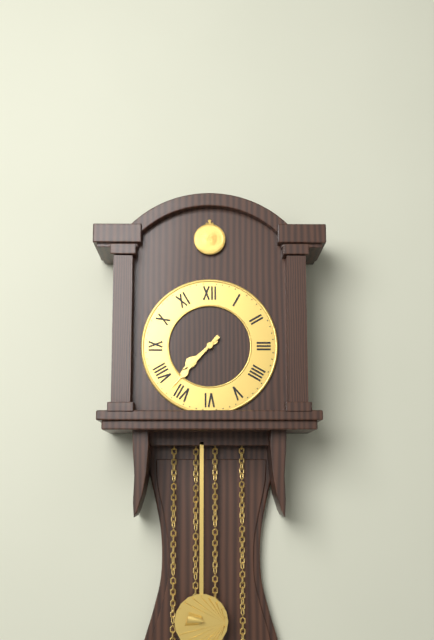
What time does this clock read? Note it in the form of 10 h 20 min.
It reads 7 h 37 min
